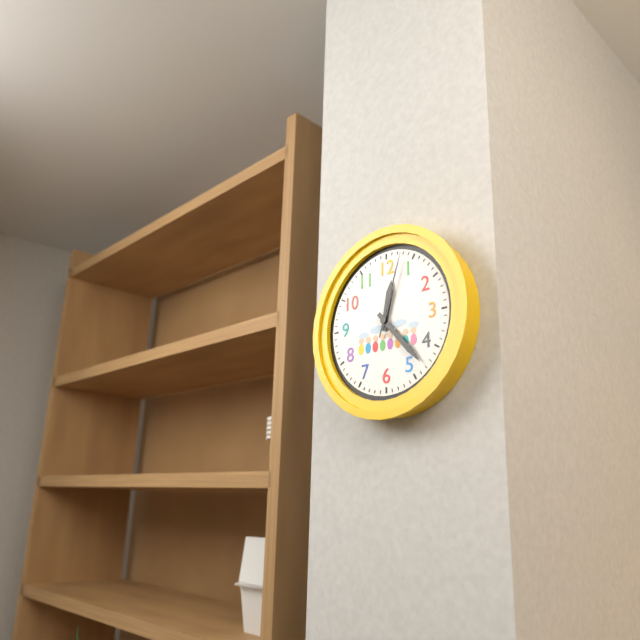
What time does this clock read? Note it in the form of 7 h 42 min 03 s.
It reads 12 h 23 min 03 s
